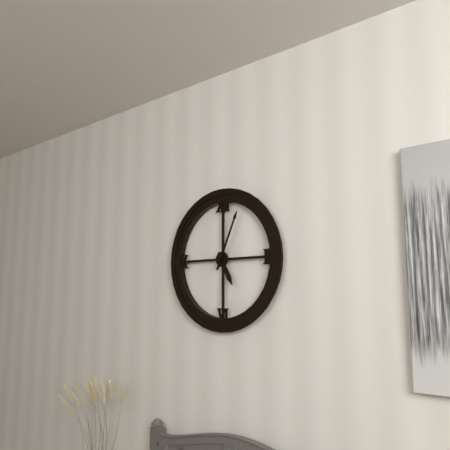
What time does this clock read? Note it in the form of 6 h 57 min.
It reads 5 h 04 min
